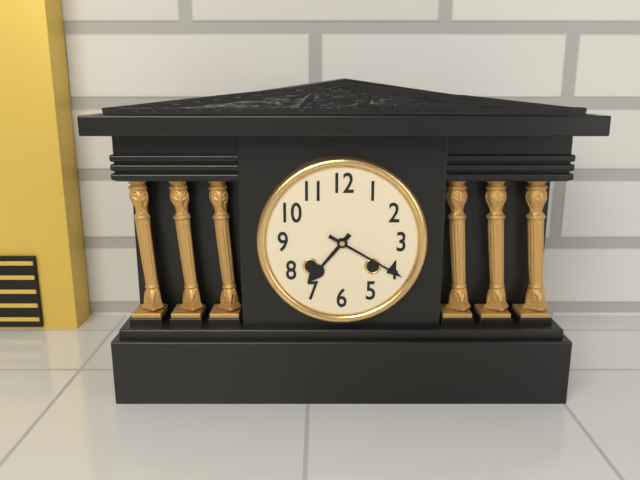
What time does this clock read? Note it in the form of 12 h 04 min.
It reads 7 h 20 min
